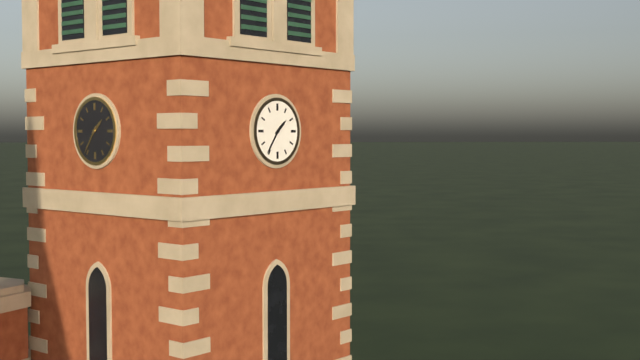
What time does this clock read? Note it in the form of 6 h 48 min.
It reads 1 h 36 min
